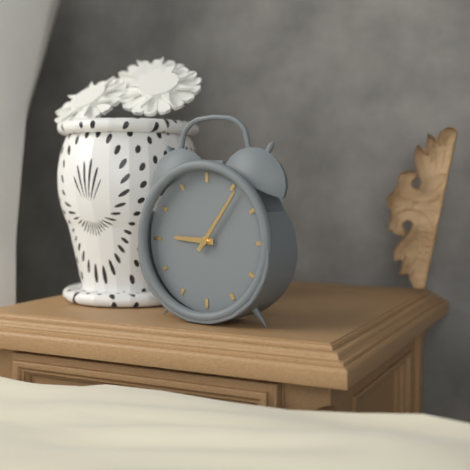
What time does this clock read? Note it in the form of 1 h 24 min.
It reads 9 h 06 min
